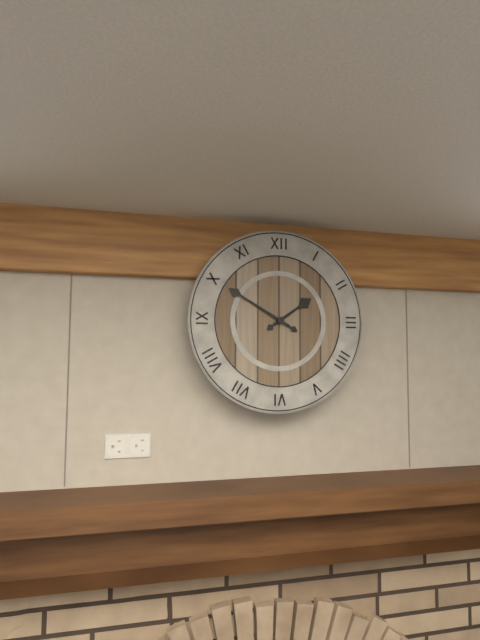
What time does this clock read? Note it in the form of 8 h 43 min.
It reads 1 h 50 min
